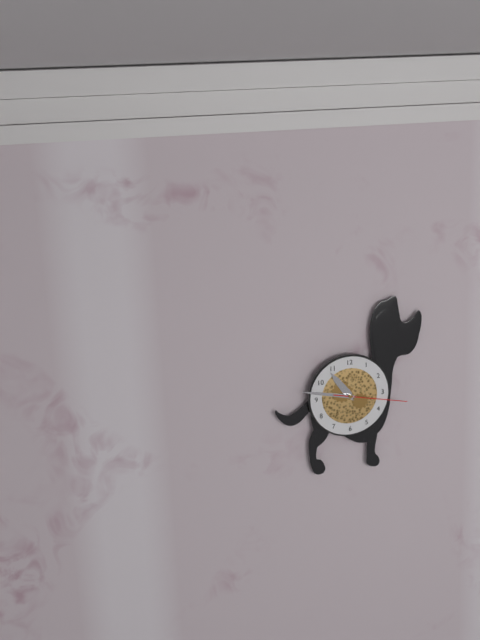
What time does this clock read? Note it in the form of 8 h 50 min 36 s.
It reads 10 h 47 min 17 s
